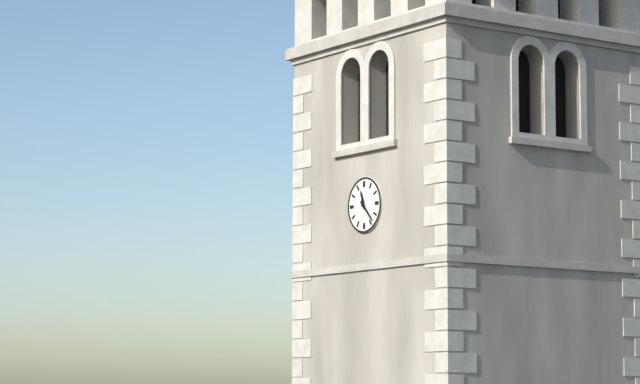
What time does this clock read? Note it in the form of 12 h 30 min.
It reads 11 h 23 min
